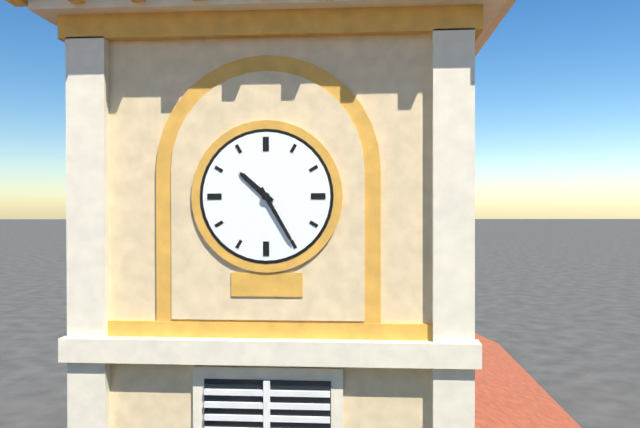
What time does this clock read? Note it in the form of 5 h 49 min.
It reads 10 h 25 min
